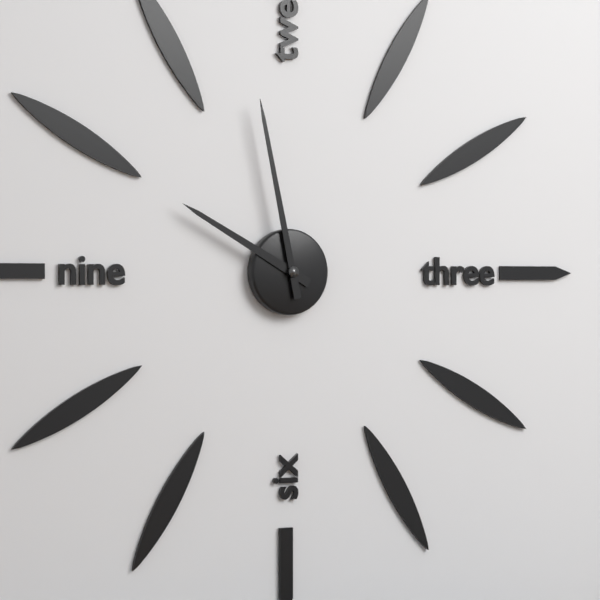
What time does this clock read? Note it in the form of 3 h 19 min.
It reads 9 h 58 min
